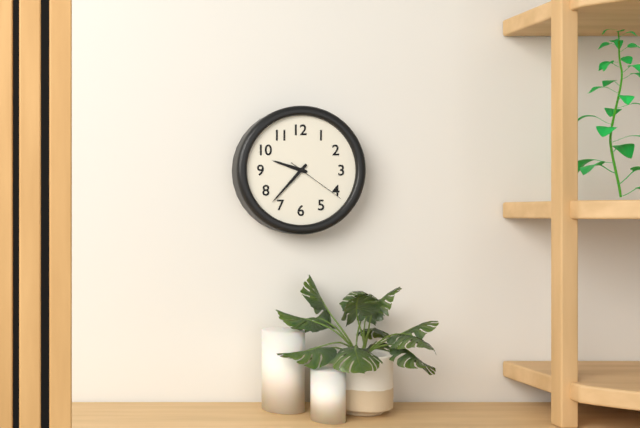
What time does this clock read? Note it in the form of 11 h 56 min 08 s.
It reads 9 h 37 min 21 s
